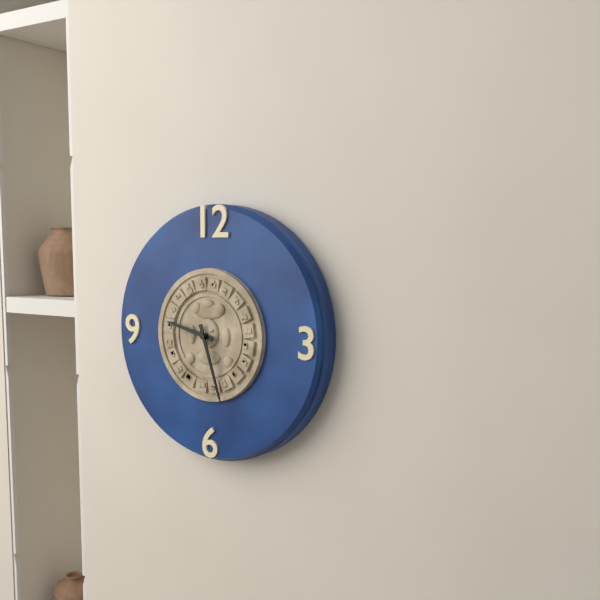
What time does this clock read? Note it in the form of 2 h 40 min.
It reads 9 h 27 min
